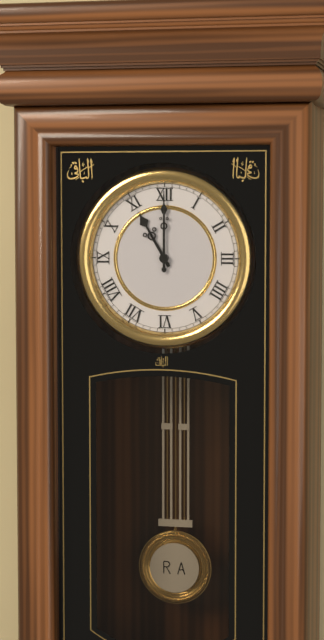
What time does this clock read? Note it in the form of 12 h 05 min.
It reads 11 h 00 min
